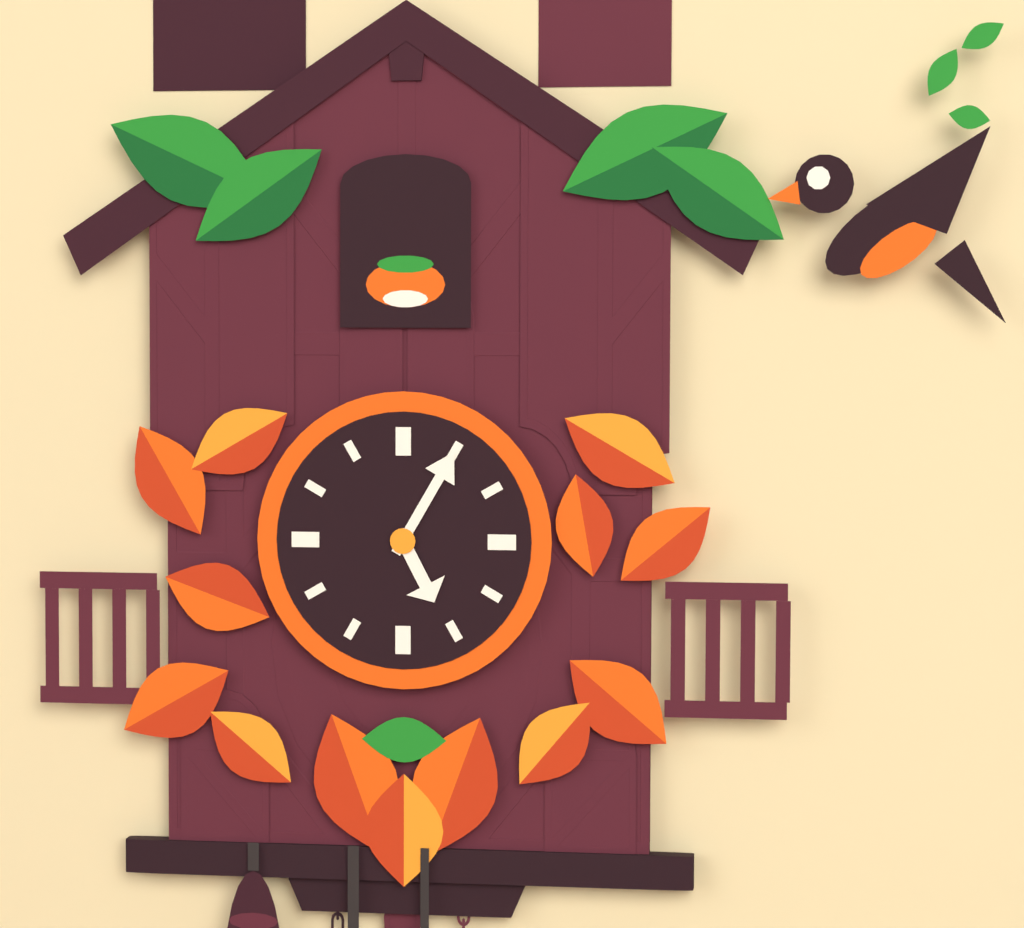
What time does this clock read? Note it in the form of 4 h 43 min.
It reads 5 h 05 min
